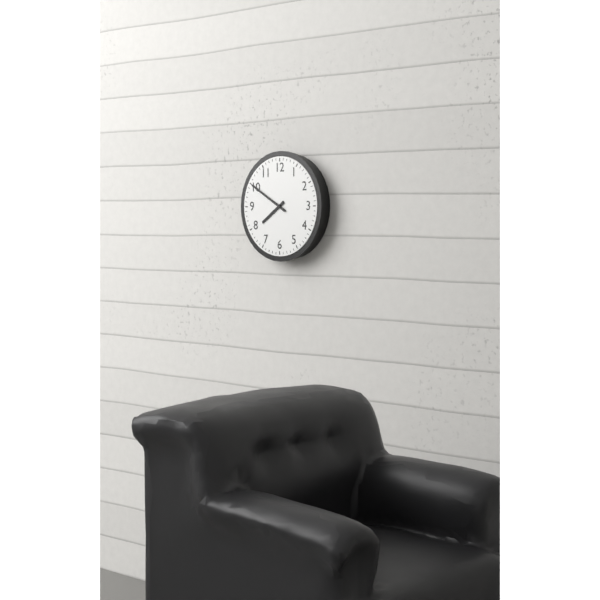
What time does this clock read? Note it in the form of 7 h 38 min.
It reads 7 h 50 min
